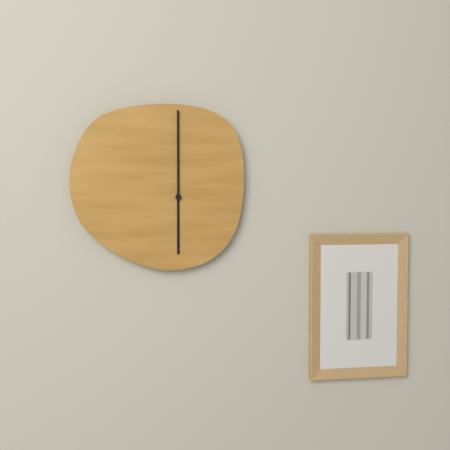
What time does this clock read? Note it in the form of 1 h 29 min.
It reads 6 h 00 min
